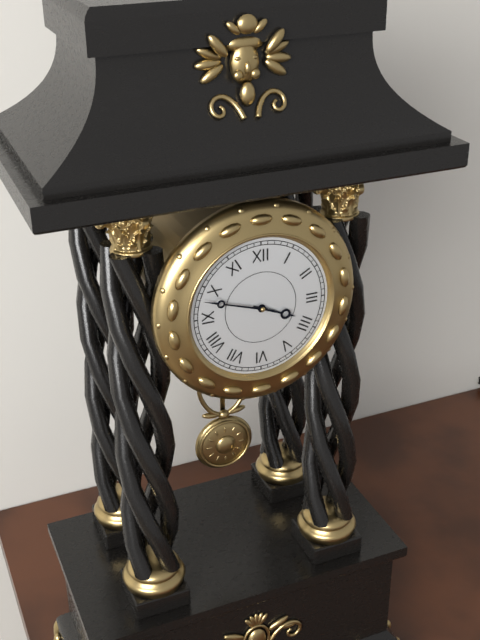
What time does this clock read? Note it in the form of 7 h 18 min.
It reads 3 h 48 min
